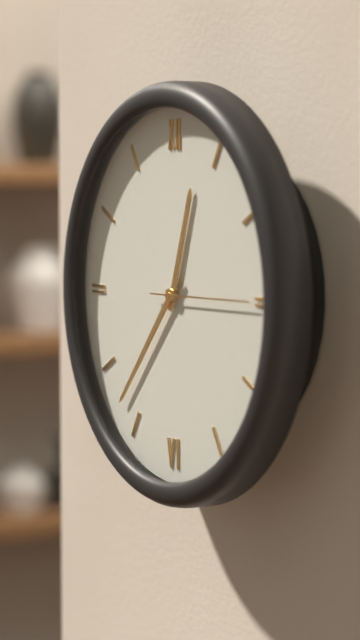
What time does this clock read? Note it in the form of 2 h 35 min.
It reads 12 h 37 min
